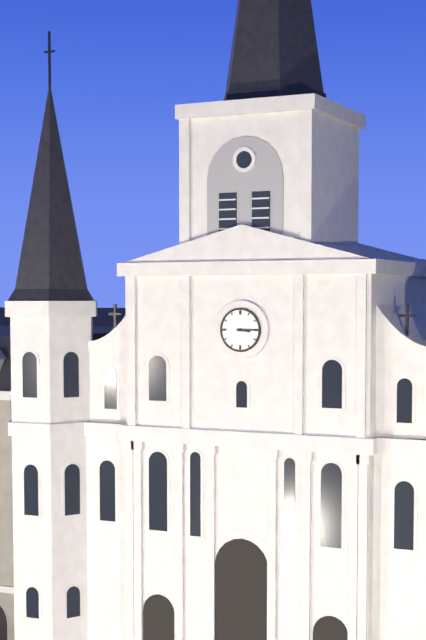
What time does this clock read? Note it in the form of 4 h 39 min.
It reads 3 h 15 min
